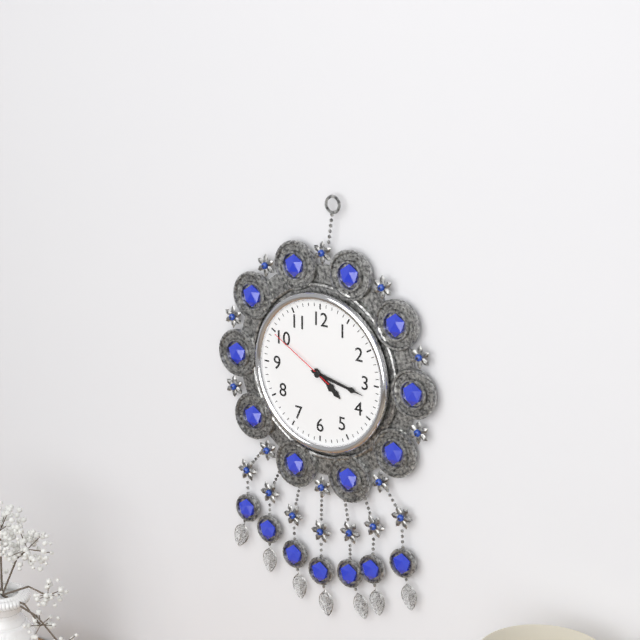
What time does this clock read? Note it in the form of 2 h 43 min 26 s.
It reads 4 h 17 min 50 s
